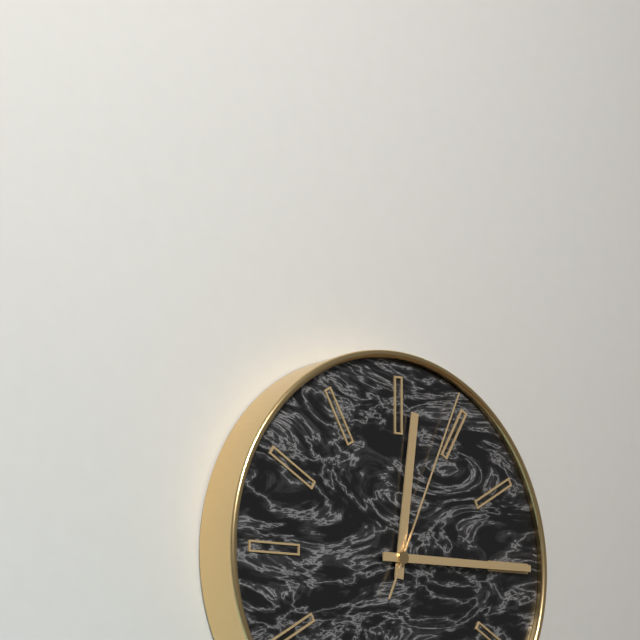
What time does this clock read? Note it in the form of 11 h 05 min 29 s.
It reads 12 h 15 min 04 s
